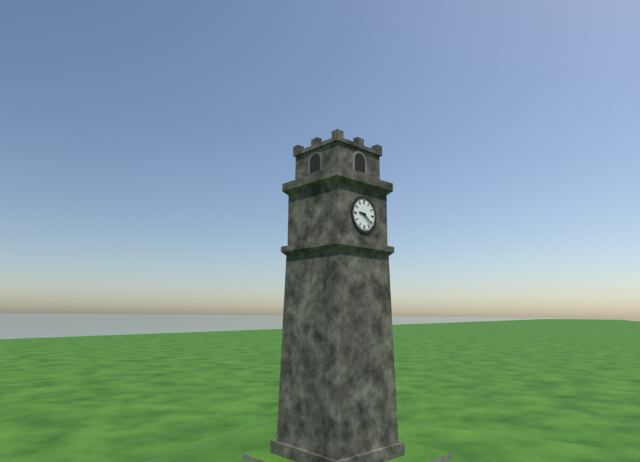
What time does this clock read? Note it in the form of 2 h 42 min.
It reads 9 h 22 min
